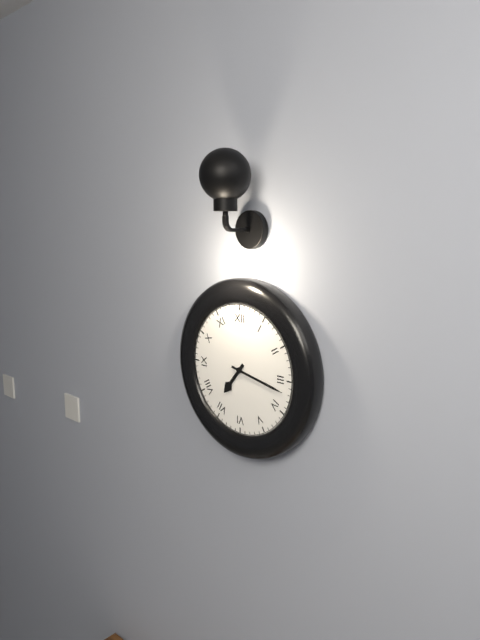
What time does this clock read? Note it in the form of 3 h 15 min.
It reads 7 h 17 min
